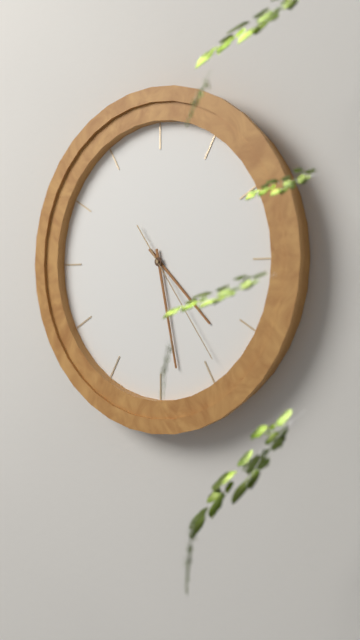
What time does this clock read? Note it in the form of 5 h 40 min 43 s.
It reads 4 h 28 min 24 s
